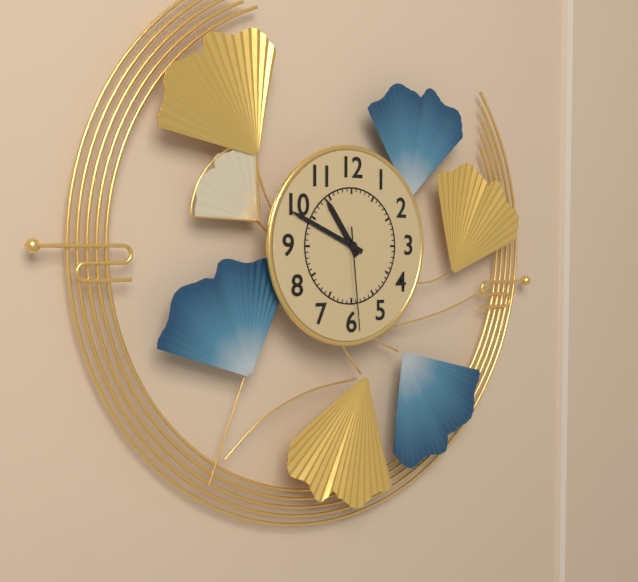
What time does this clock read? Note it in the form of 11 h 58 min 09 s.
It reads 10 h 49 min 29 s
